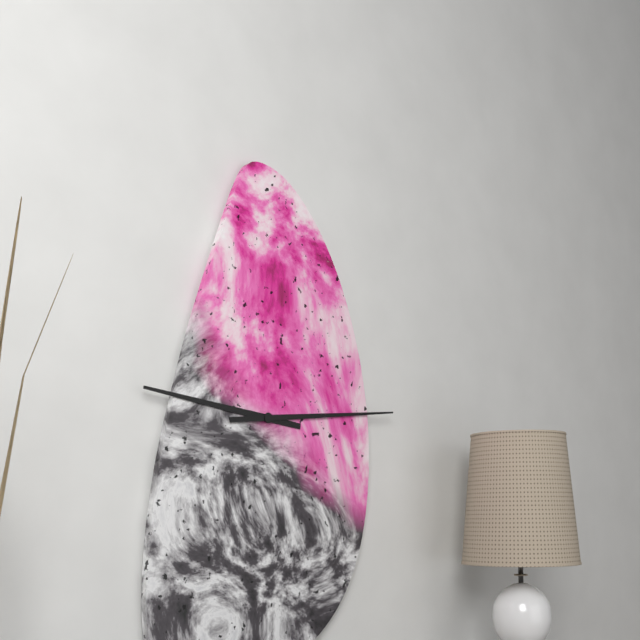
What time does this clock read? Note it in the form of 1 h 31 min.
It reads 9 h 14 min
